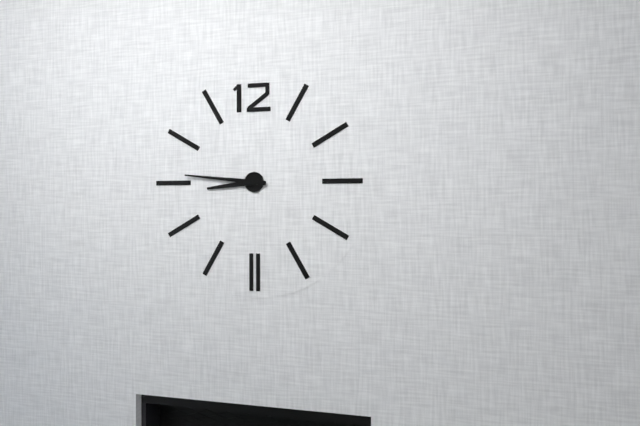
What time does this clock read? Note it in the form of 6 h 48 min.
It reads 8 h 46 min
